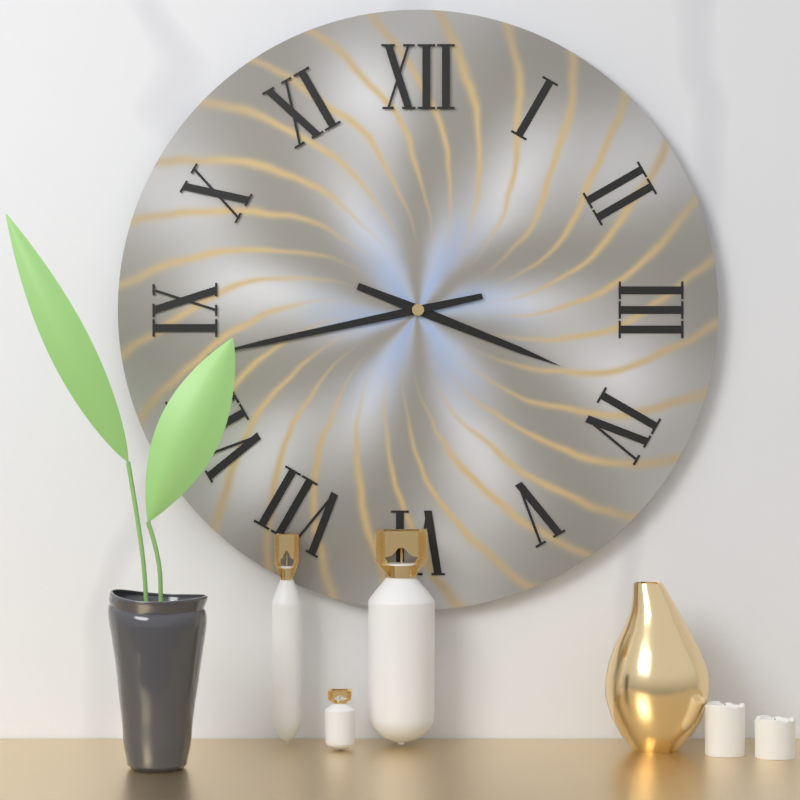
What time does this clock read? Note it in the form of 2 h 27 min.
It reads 3 h 43 min
